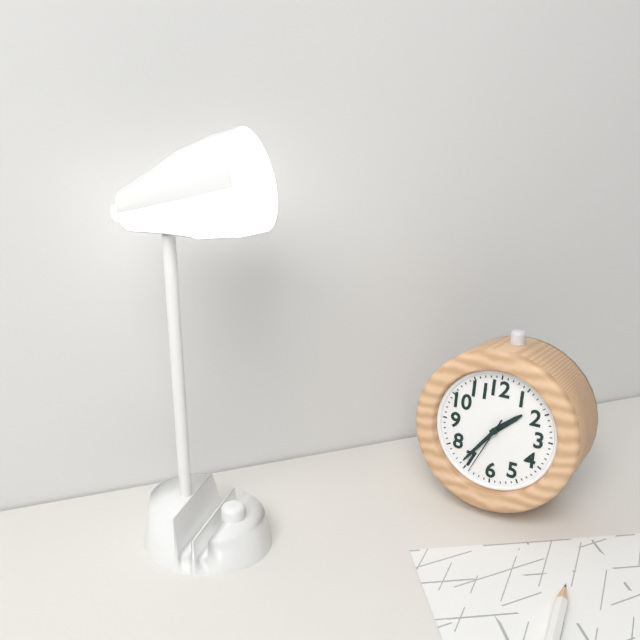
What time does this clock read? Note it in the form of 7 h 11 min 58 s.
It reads 1 h 36 min 34 s
